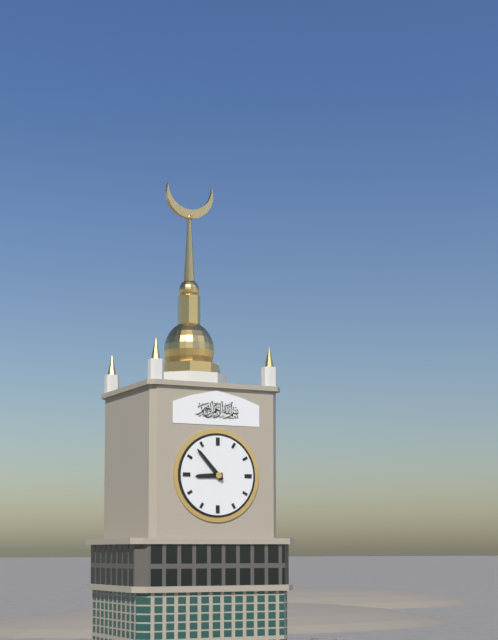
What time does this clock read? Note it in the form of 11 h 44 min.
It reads 8 h 53 min
